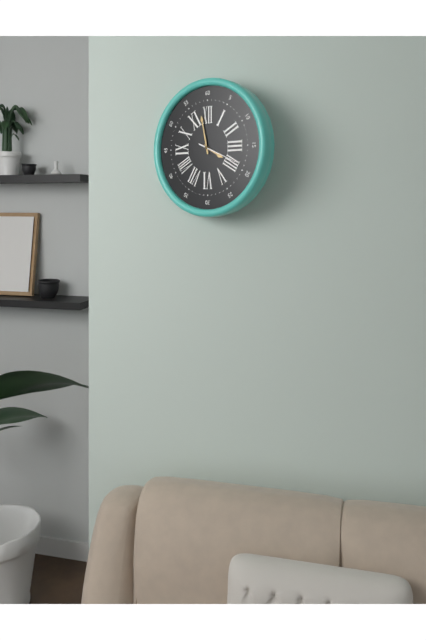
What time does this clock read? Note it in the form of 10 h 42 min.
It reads 3 h 58 min
